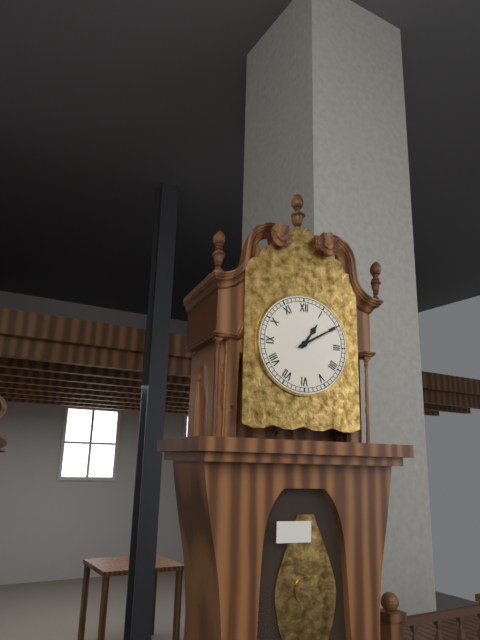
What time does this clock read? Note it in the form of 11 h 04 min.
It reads 1 h 10 min
